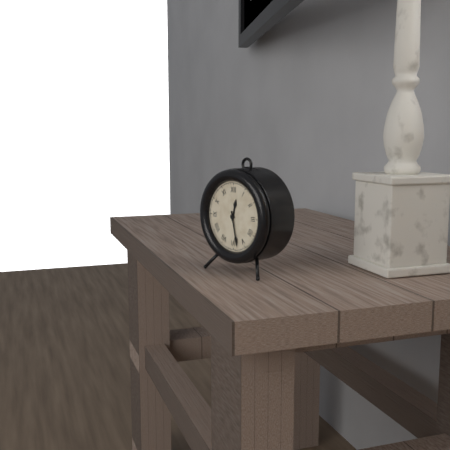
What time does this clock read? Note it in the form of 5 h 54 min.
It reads 12 h 28 min
